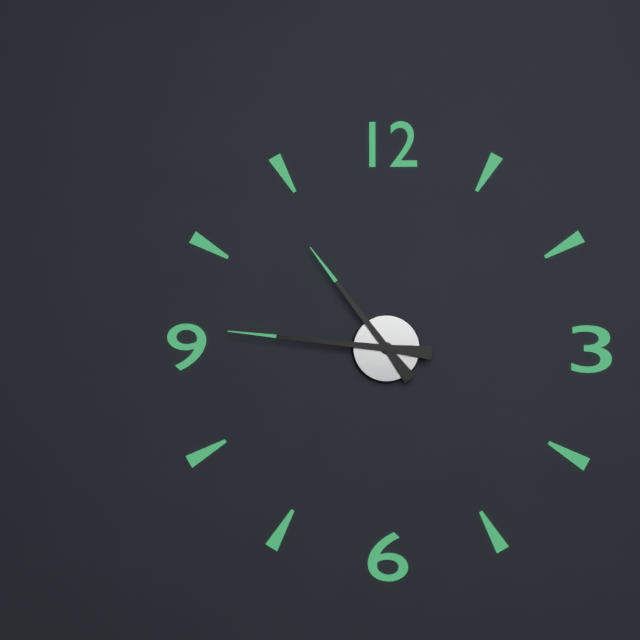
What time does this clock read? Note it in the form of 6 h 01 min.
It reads 10 h 46 min
